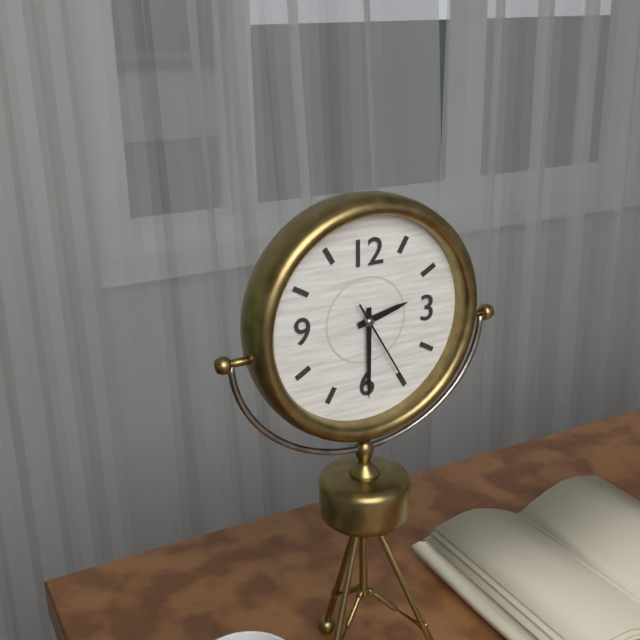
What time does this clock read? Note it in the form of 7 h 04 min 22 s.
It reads 2 h 30 min 25 s
